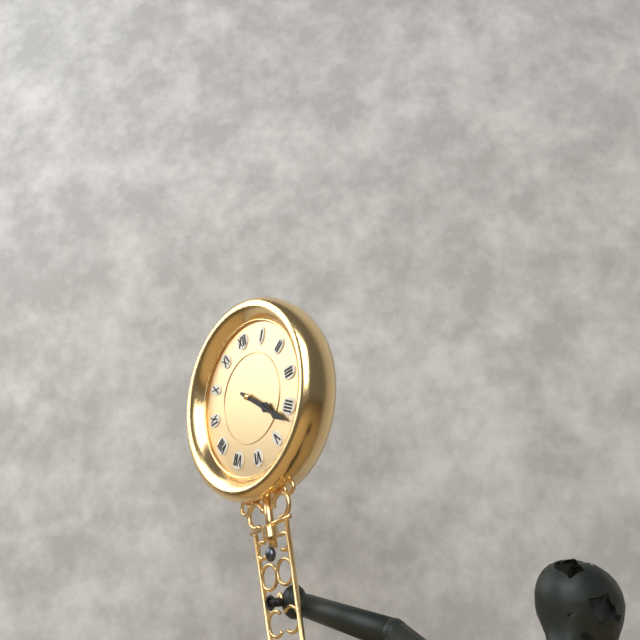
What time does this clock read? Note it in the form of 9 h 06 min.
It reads 4 h 22 min
